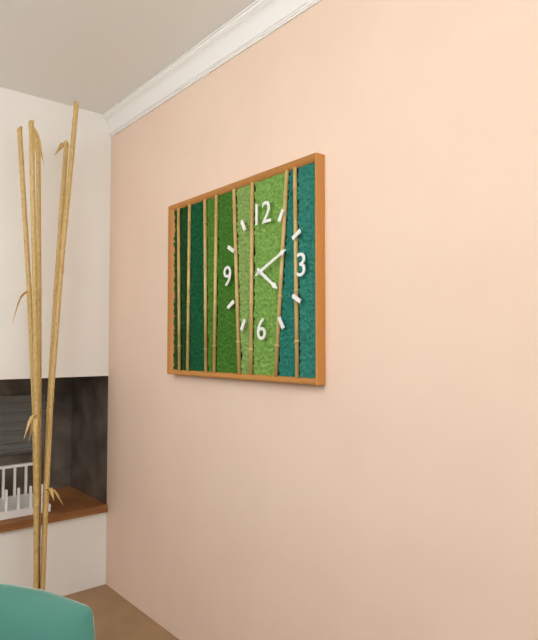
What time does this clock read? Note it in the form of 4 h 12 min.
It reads 4 h 11 min
